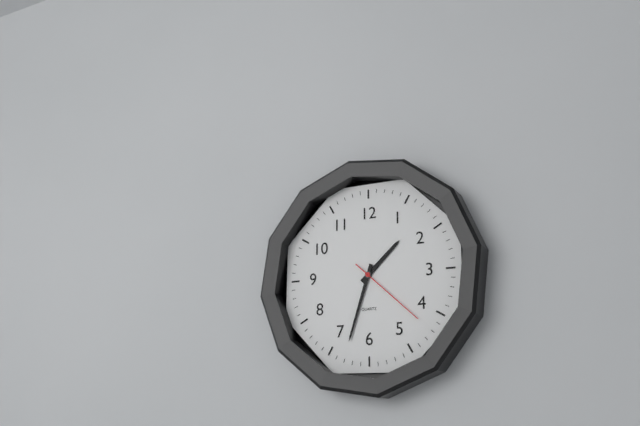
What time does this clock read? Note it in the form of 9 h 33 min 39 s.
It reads 1 h 33 min 22 s
